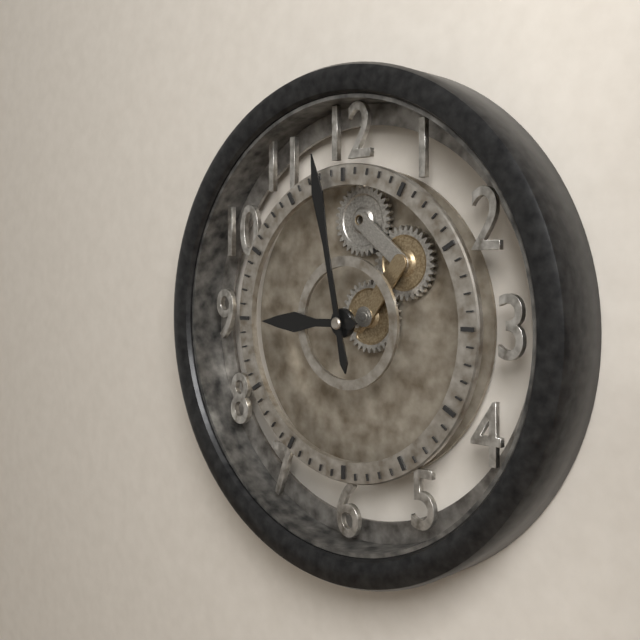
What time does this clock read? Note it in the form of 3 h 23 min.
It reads 8 h 58 min
